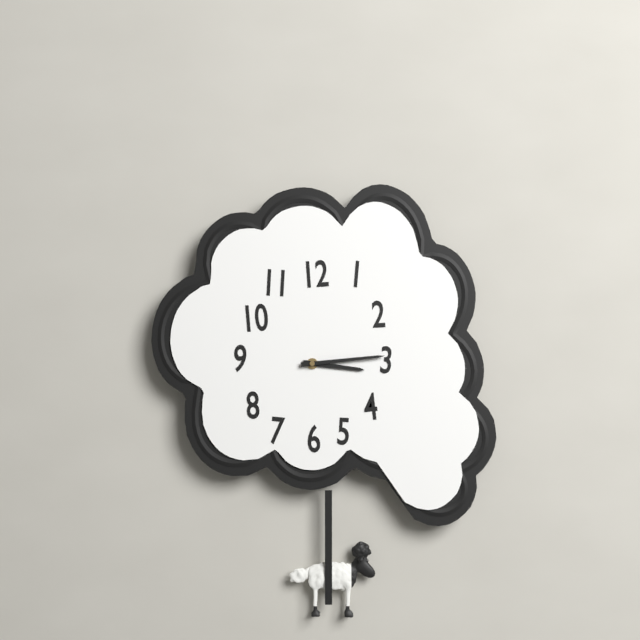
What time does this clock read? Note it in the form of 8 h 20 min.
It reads 3 h 14 min
